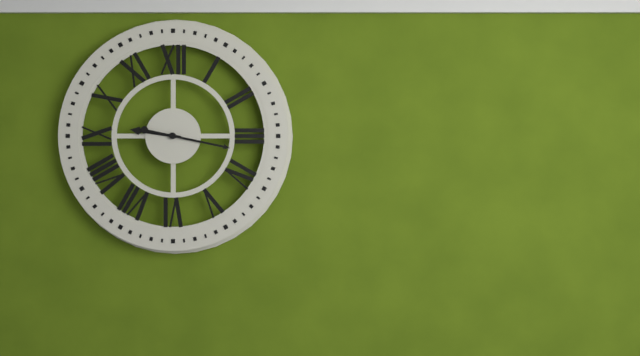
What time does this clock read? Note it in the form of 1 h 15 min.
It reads 9 h 17 min
